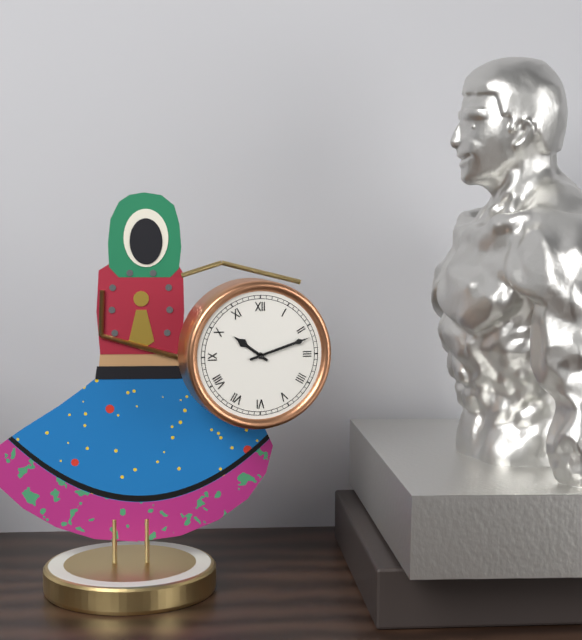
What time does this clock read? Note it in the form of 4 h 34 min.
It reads 10 h 12 min
